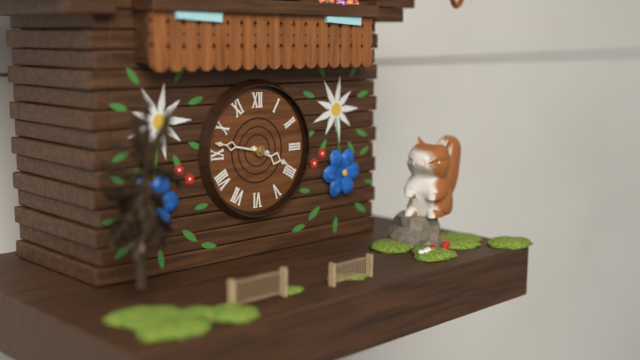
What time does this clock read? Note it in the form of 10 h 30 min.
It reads 3 h 47 min
